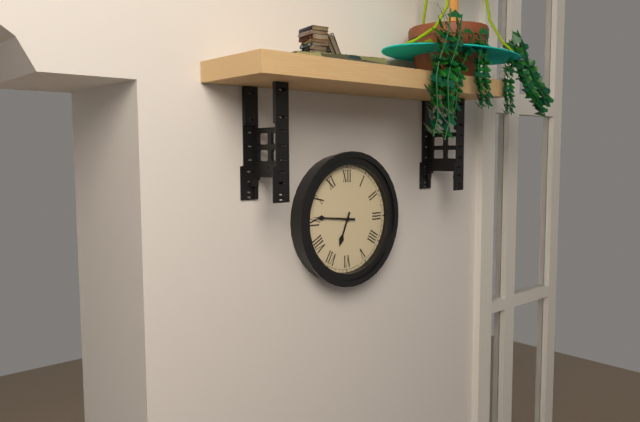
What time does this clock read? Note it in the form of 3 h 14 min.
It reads 6 h 46 min
